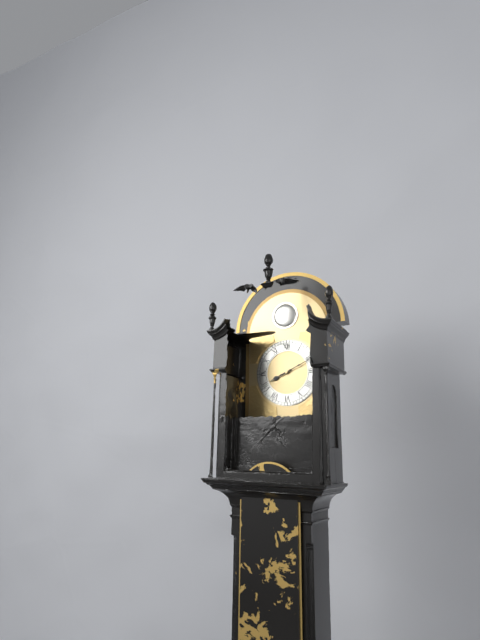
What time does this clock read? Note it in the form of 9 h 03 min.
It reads 8 h 11 min
